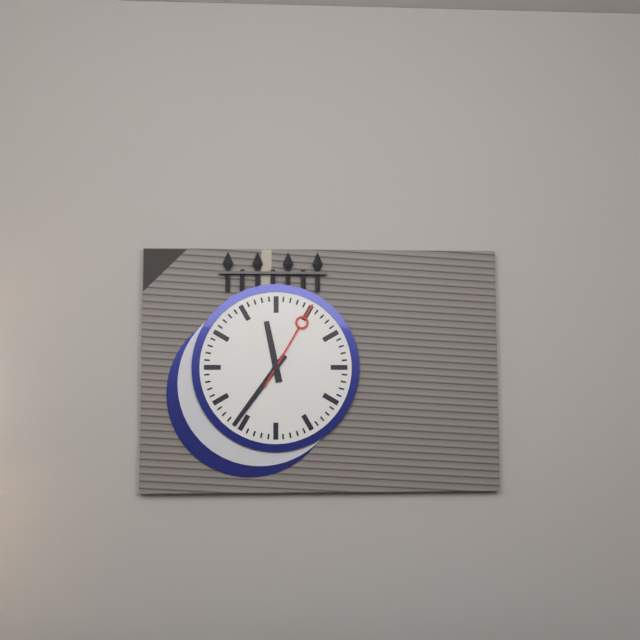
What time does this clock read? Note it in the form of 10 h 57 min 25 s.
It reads 11 h 36 min 05 s
